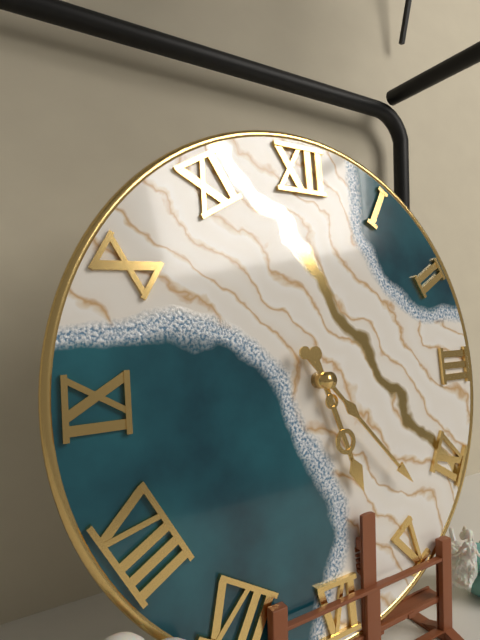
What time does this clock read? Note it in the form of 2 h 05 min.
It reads 5 h 23 min
